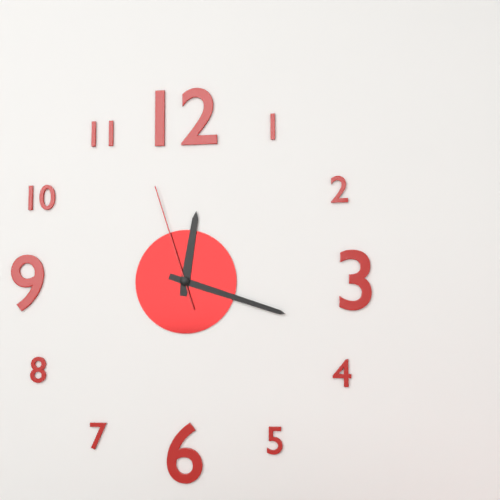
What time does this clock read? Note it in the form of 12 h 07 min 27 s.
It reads 12 h 18 min 57 s
